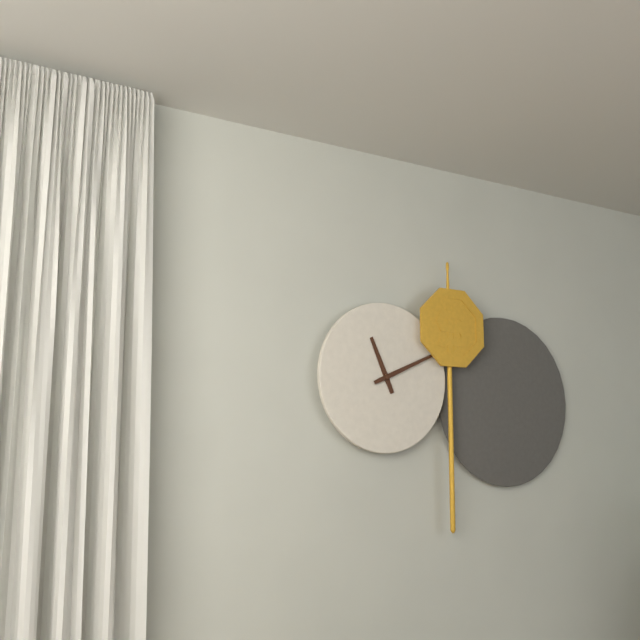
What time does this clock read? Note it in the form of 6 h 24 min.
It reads 11 h 11 min
